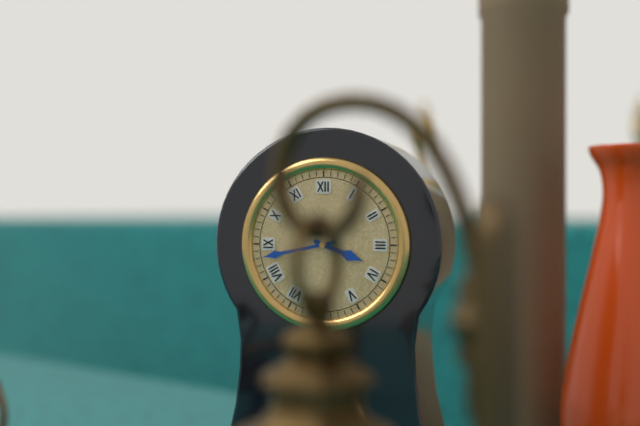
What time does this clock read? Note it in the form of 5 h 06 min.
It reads 3 h 43 min
